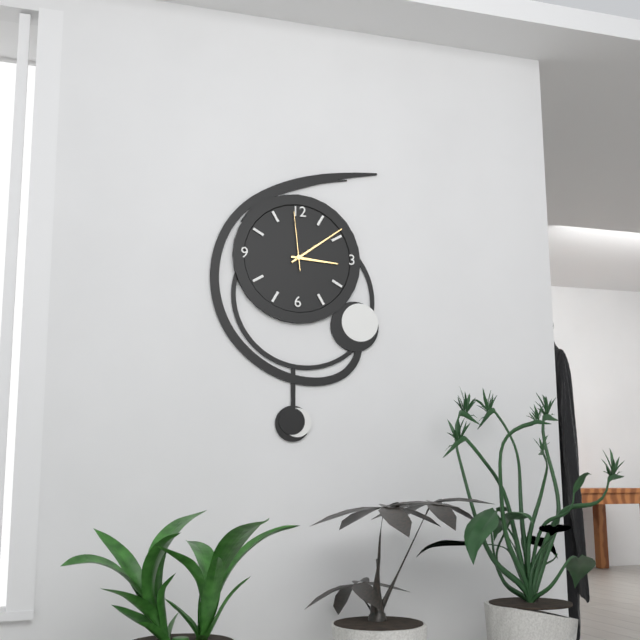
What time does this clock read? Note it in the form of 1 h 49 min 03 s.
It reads 3 h 09 min 59 s
